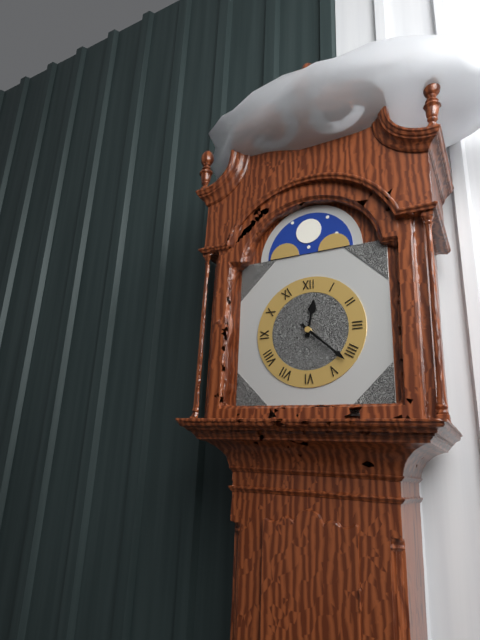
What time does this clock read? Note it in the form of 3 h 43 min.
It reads 12 h 22 min
